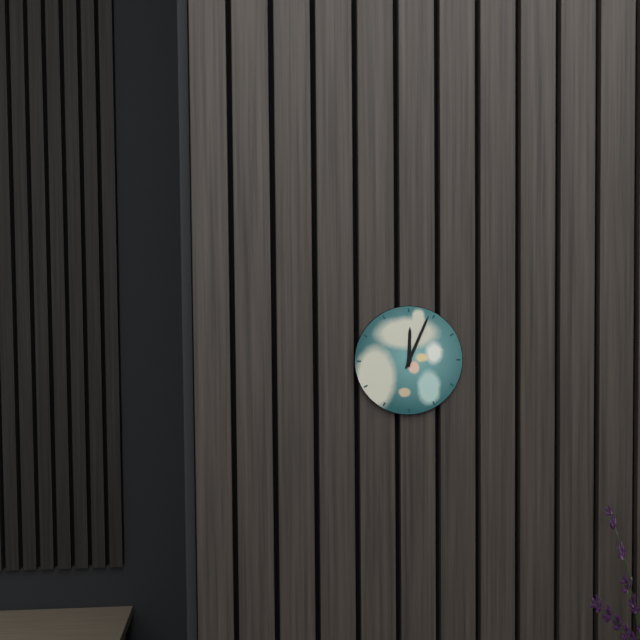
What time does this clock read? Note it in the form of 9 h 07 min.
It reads 12 h 04 min
